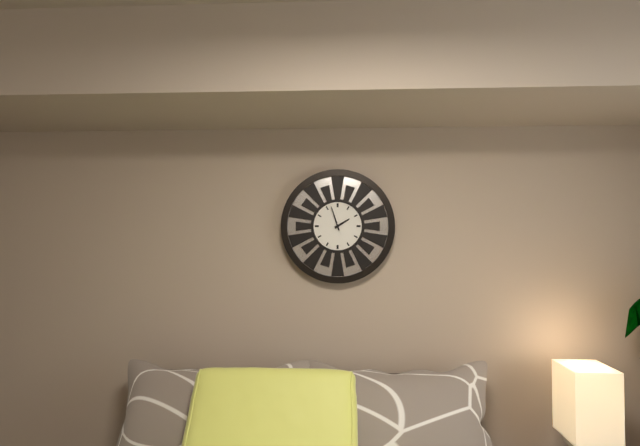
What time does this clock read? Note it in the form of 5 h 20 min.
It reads 1 h 57 min
